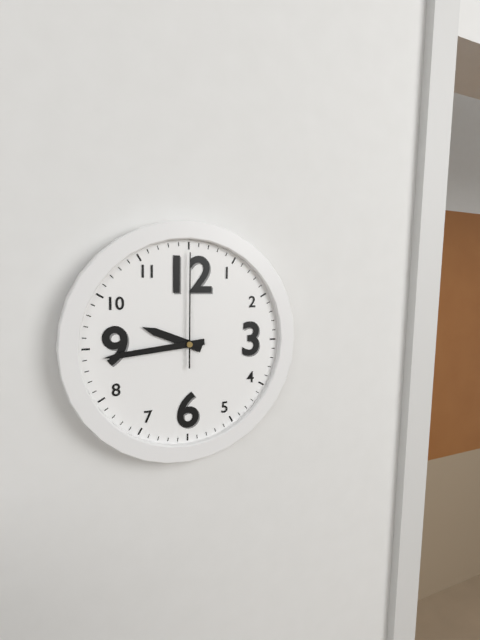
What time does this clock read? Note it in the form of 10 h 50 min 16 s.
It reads 9 h 44 min 00 s
